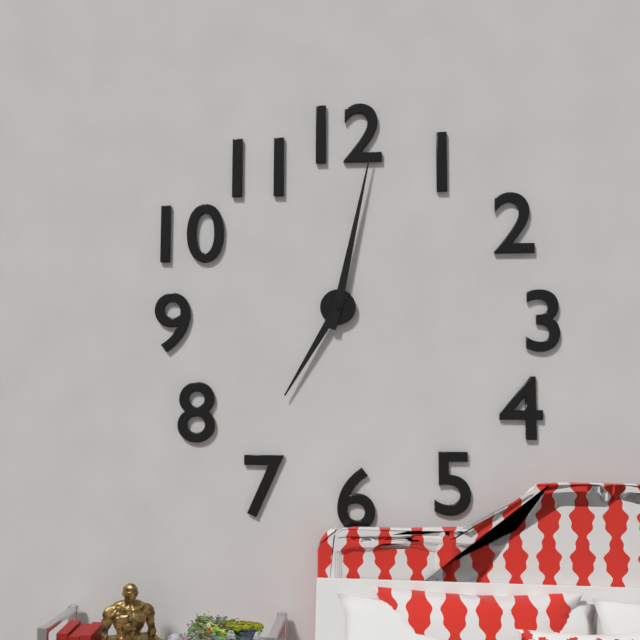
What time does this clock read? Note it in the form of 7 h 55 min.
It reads 7 h 02 min
